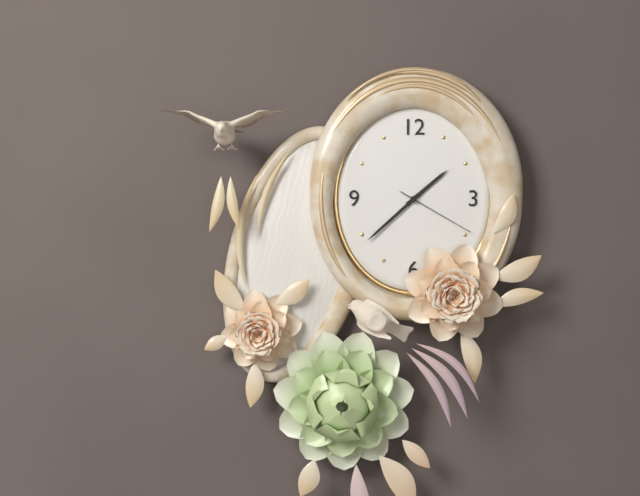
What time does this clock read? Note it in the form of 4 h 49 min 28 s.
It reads 1 h 38 min 20 s
